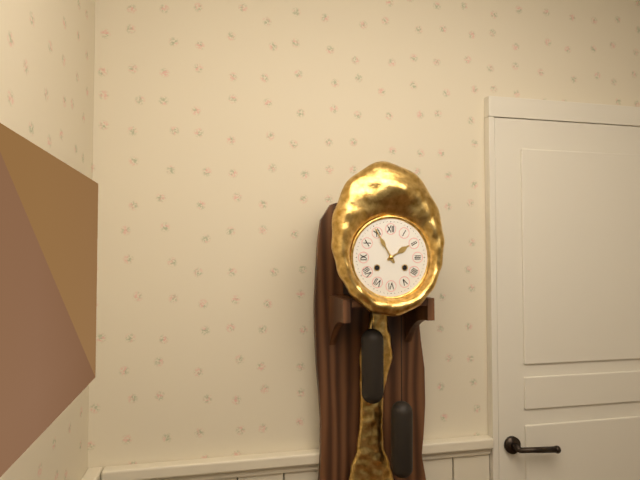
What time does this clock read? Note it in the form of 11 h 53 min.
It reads 1 h 55 min
